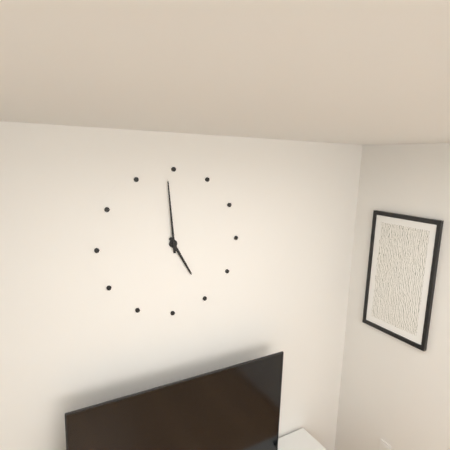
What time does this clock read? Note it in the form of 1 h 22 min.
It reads 4 h 59 min
